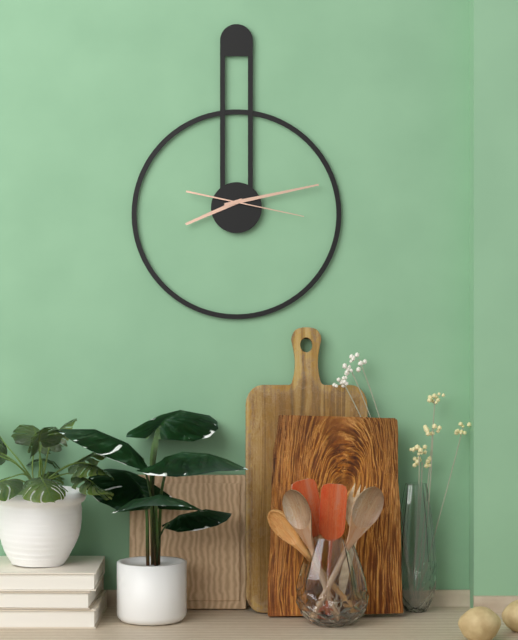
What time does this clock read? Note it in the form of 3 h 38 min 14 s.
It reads 8 h 13 min 17 s
